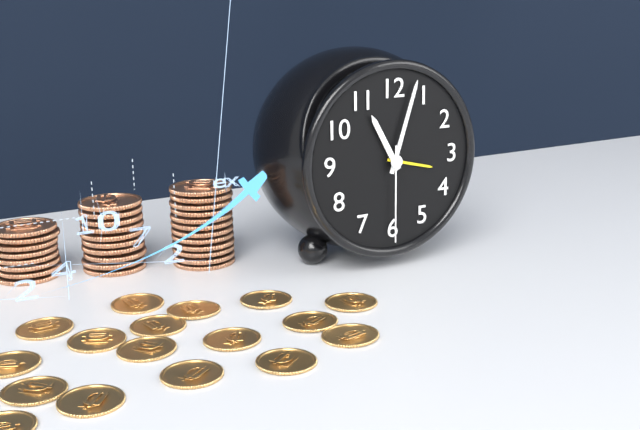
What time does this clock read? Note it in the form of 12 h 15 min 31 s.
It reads 11 h 03 min 30 s
